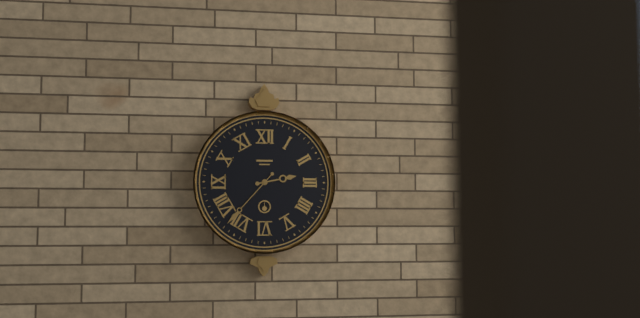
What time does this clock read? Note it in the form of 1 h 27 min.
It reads 2 h 37 min
